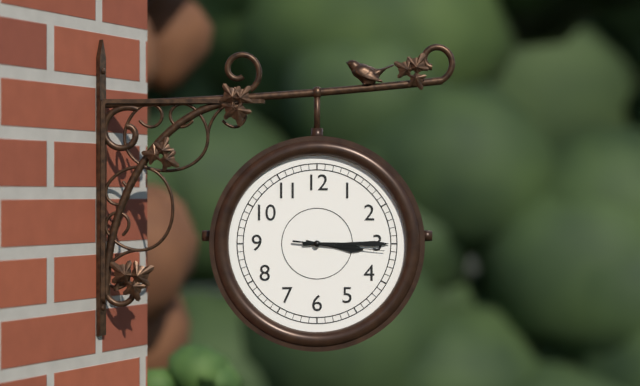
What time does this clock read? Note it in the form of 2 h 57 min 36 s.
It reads 3 h 15 min 16 s
